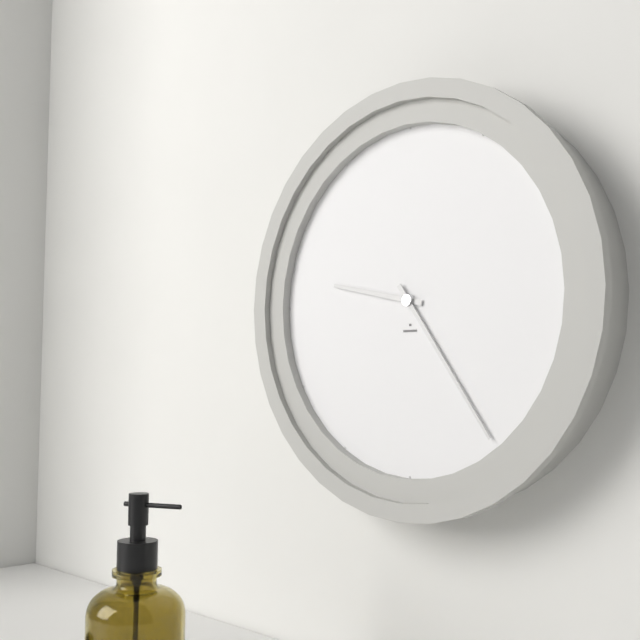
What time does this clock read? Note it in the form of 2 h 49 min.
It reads 9 h 24 min
